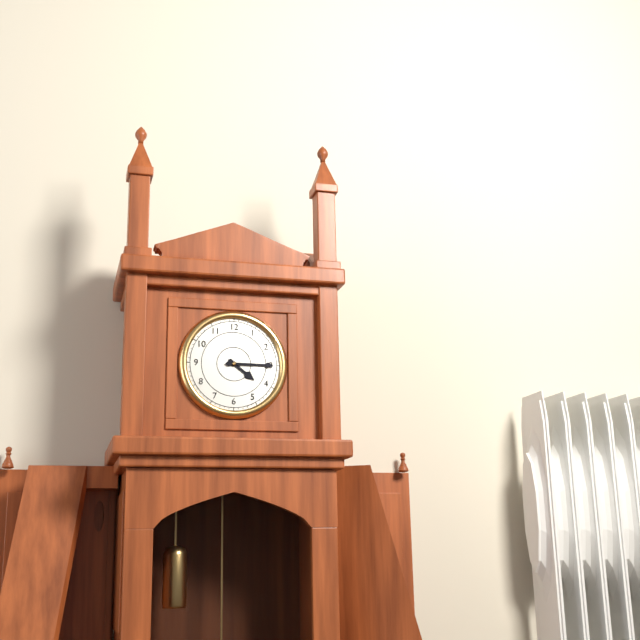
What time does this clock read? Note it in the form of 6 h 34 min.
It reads 4 h 15 min
